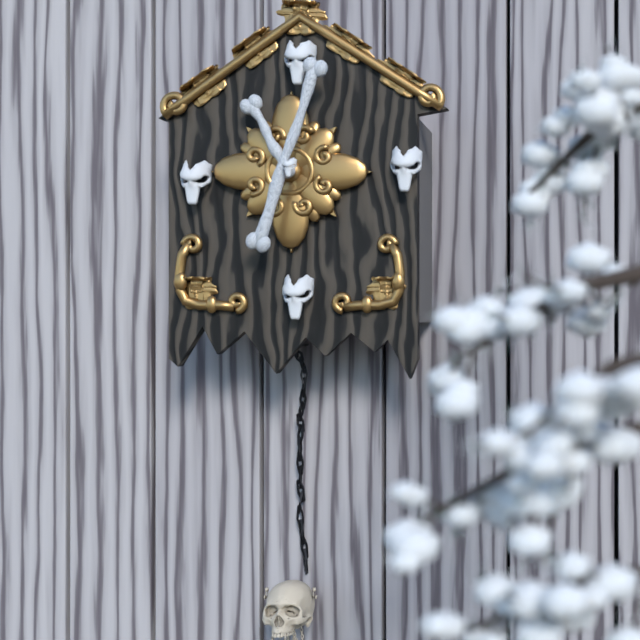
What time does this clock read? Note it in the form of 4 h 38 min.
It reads 11 h 03 min
